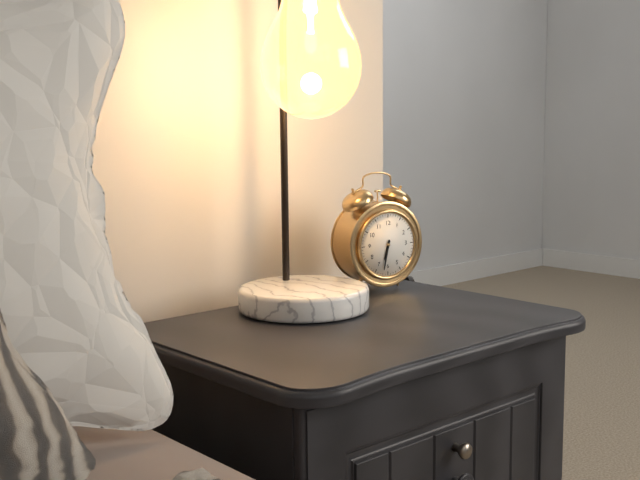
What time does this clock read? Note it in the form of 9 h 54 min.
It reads 6 h 32 min
